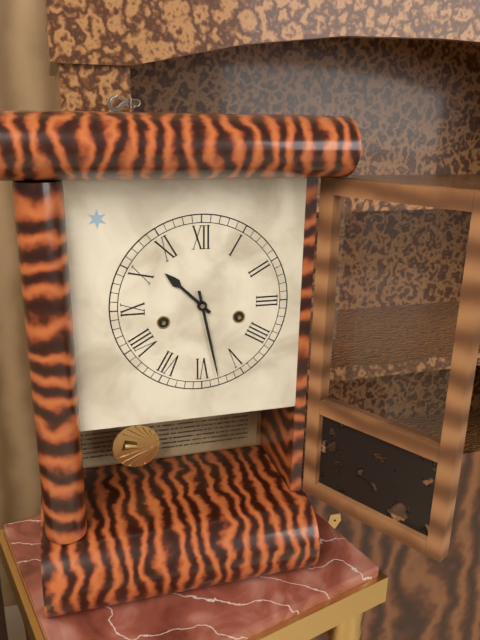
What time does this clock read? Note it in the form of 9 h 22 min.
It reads 10 h 28 min
